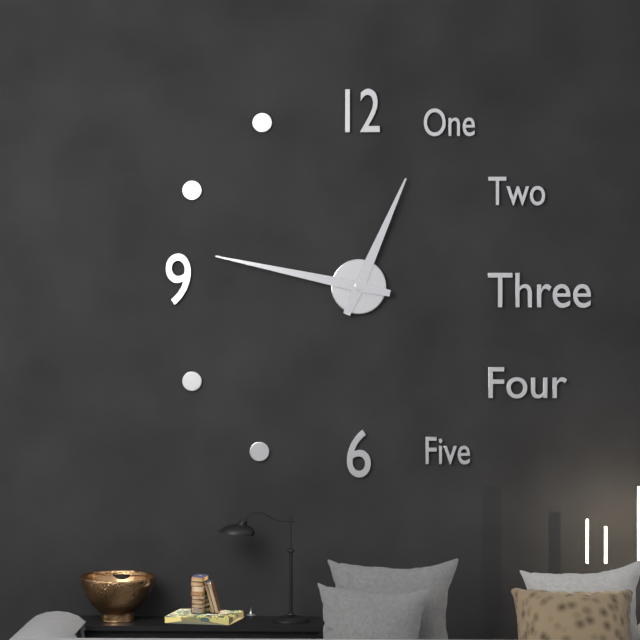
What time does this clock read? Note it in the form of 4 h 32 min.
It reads 12 h 47 min
